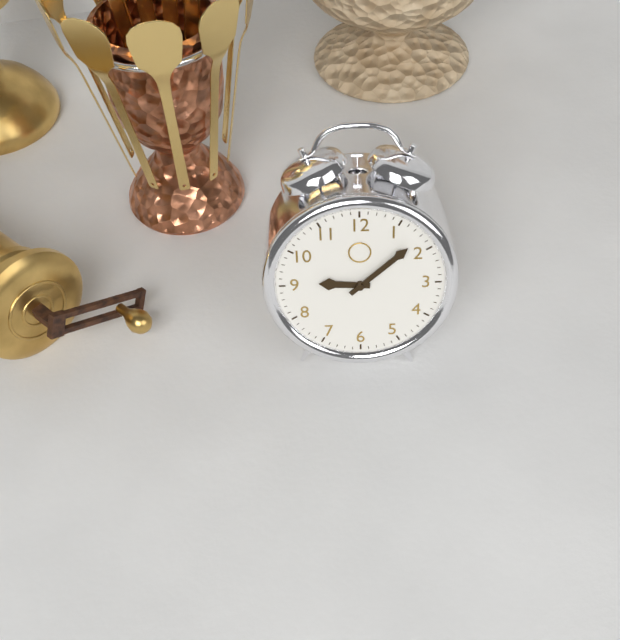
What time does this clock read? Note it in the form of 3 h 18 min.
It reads 9 h 08 min
